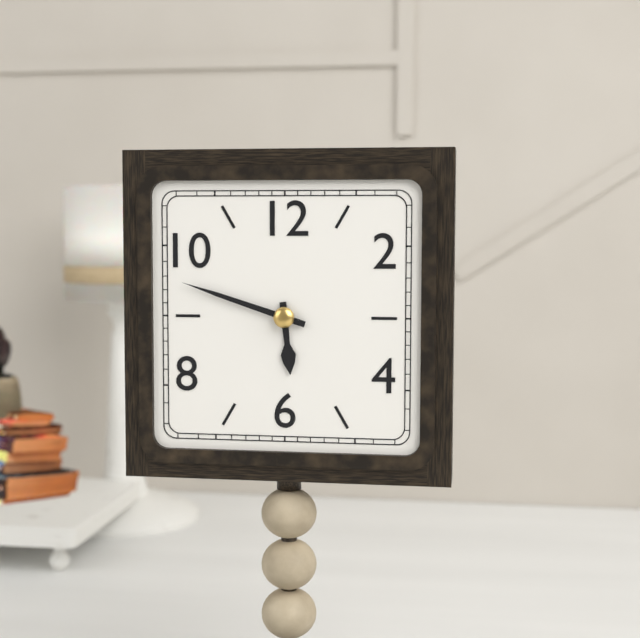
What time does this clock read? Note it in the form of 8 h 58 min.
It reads 5 h 48 min
